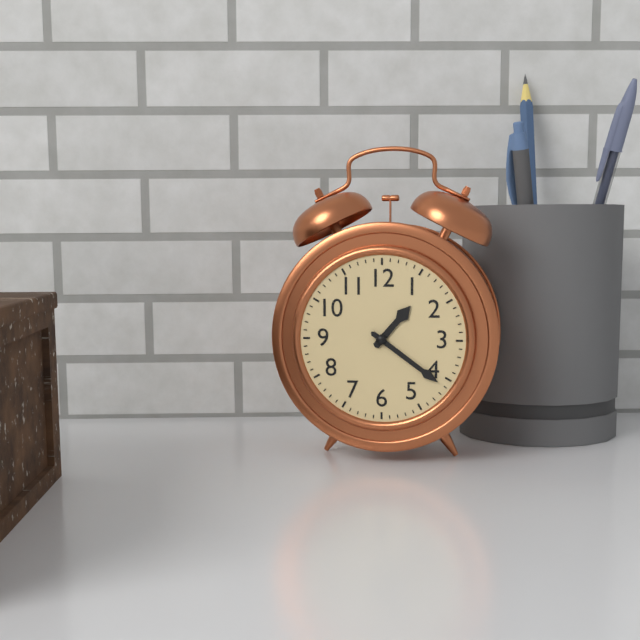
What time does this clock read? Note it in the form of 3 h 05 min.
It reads 1 h 21 min
